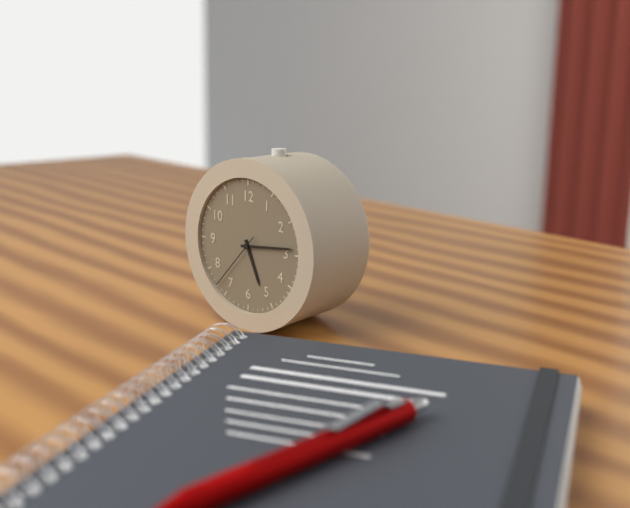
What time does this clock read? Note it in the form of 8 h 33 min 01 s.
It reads 5 h 14 min 37 s
